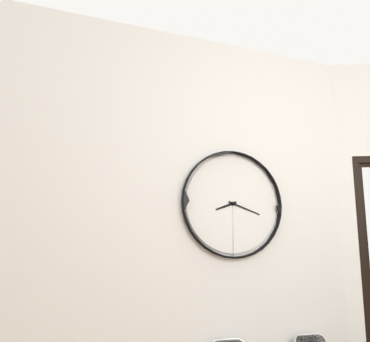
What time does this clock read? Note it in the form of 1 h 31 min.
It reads 8 h 18 min
